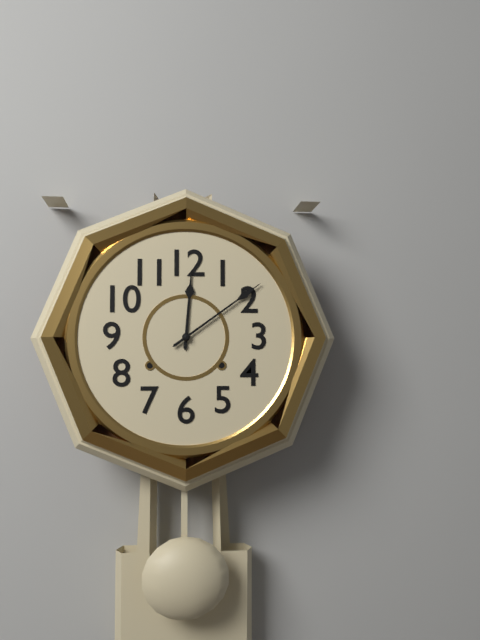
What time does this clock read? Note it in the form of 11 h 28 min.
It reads 12 h 09 min
